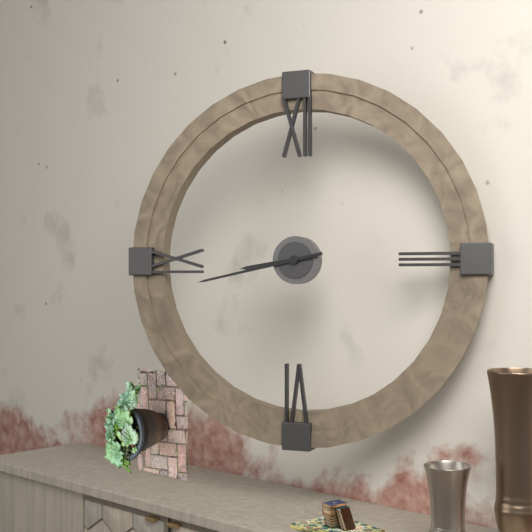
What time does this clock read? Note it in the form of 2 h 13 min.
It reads 8 h 43 min
